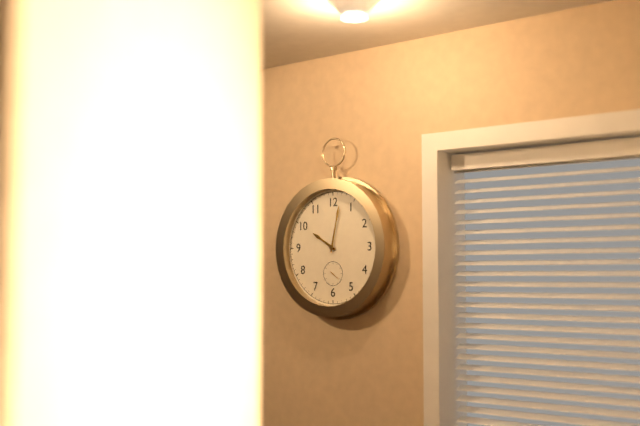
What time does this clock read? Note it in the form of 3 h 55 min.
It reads 10 h 02 min
